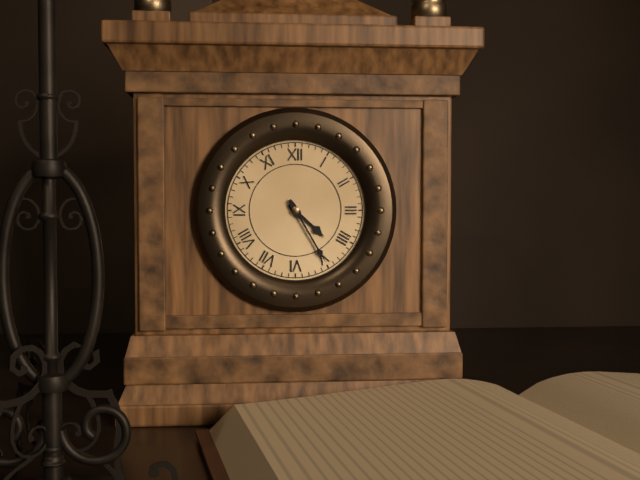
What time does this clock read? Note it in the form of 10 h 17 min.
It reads 4 h 25 min
